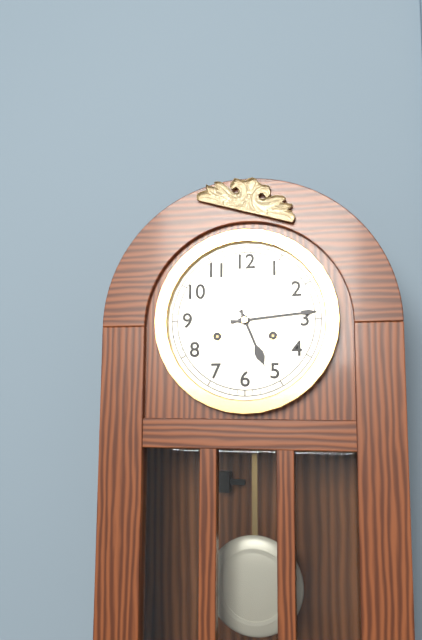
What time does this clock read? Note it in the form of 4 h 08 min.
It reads 5 h 14 min
